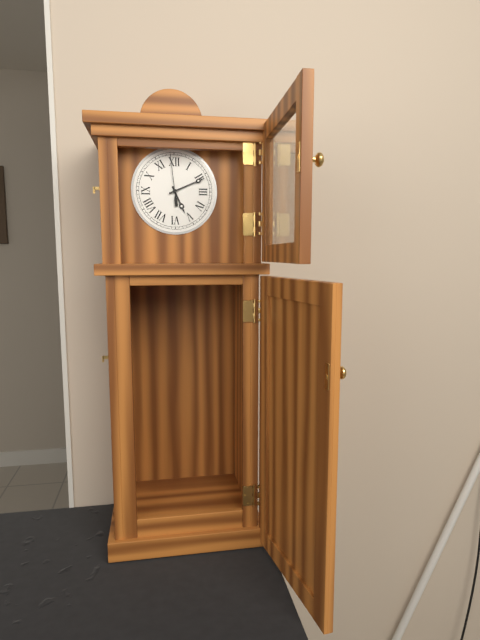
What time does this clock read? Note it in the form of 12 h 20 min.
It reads 5 h 11 min
